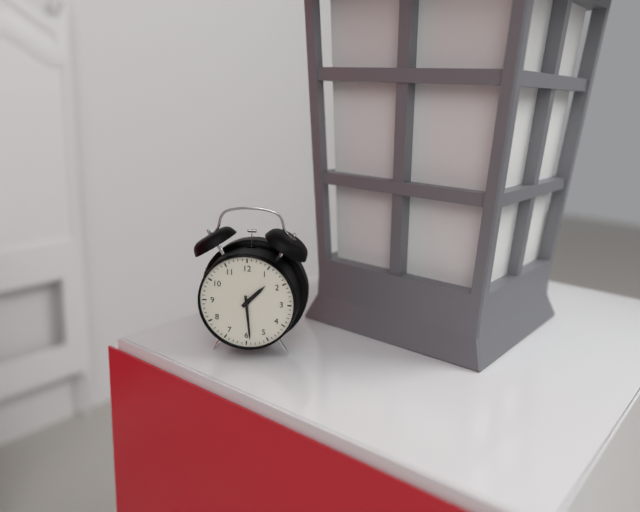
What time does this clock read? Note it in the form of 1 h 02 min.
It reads 1 h 29 min
